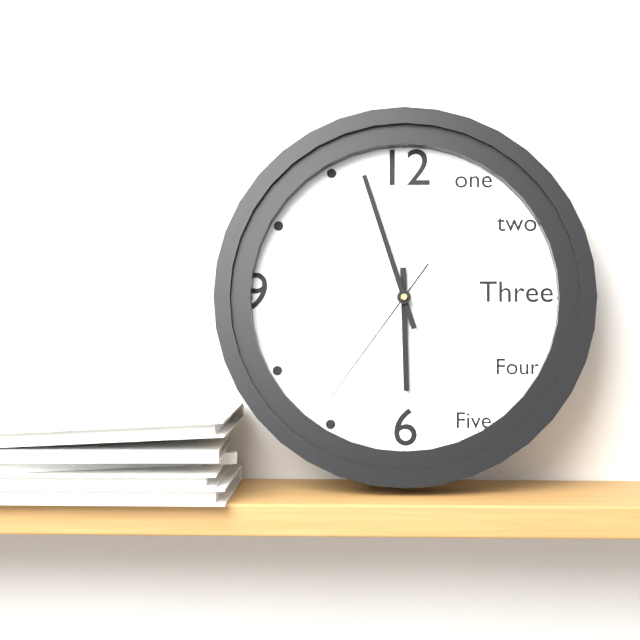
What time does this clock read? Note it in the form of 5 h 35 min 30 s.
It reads 5 h 57 min 36 s
